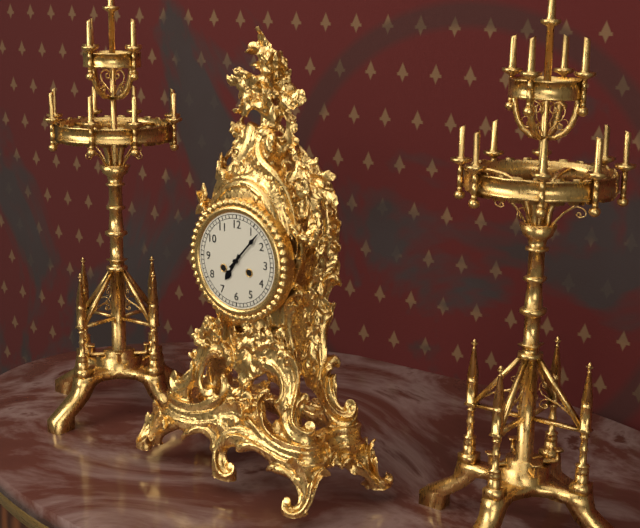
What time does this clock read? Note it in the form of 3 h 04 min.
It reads 7 h 07 min
